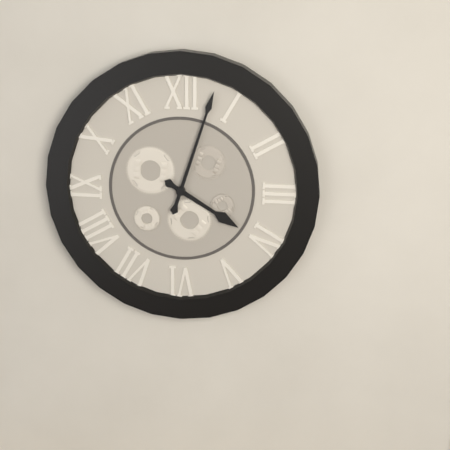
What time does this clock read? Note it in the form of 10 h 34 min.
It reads 4 h 03 min
